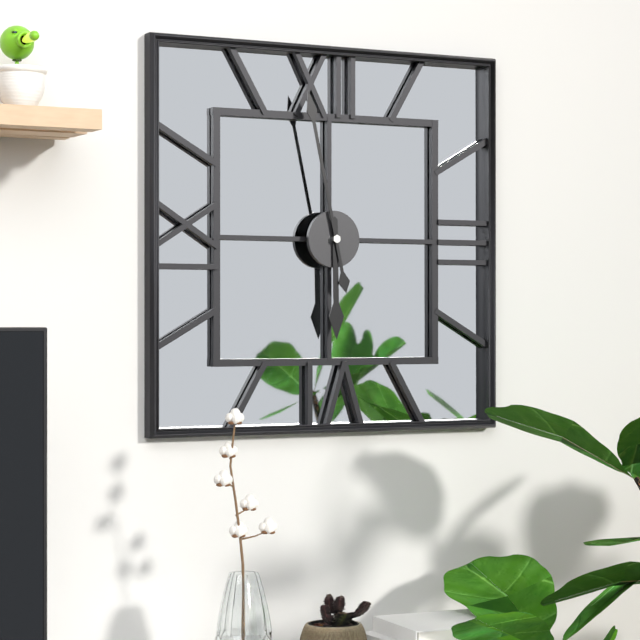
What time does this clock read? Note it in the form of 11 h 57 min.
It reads 5 h 58 min
